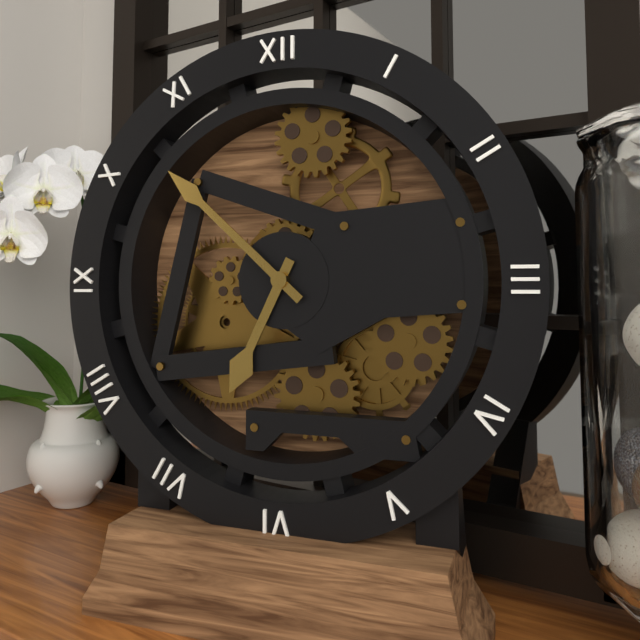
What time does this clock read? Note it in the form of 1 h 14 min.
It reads 6 h 52 min
